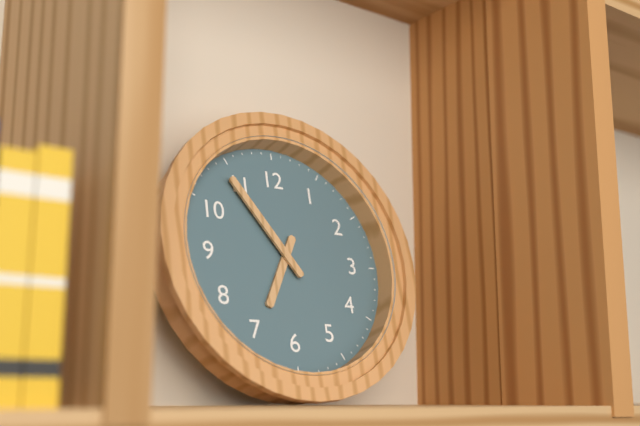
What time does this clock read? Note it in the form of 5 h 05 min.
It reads 6 h 54 min
